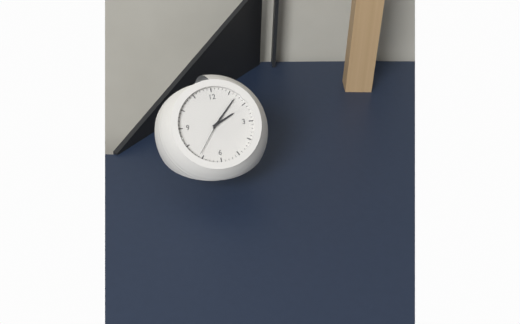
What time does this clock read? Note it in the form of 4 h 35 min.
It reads 2 h 07 min
